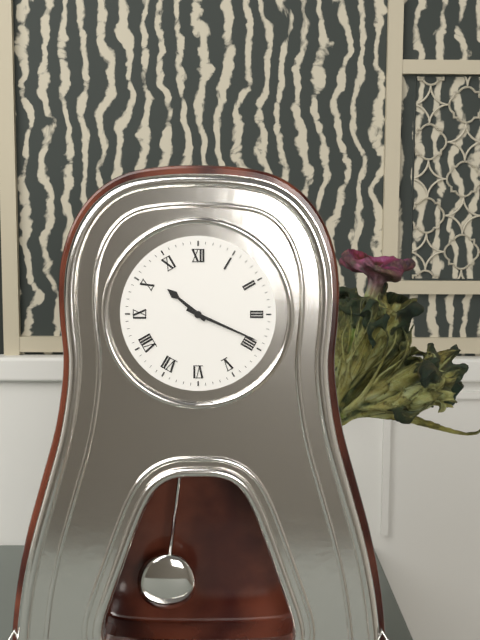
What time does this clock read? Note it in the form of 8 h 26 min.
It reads 10 h 19 min
